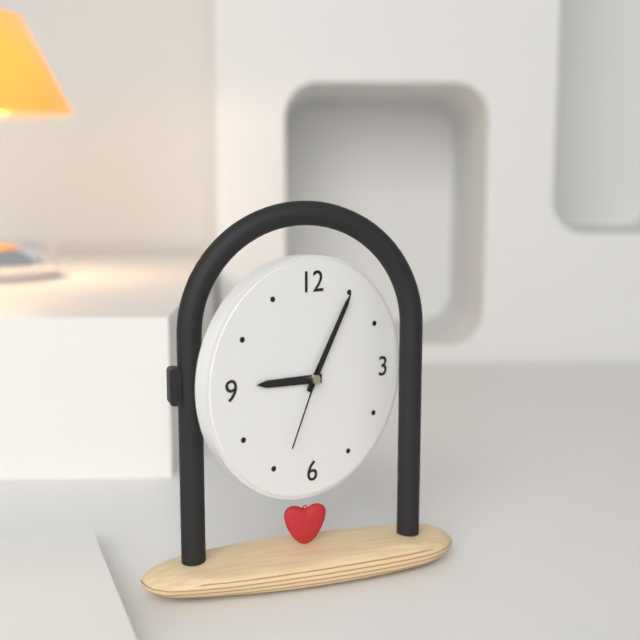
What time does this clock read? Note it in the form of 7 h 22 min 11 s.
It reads 9 h 05 min 34 s
